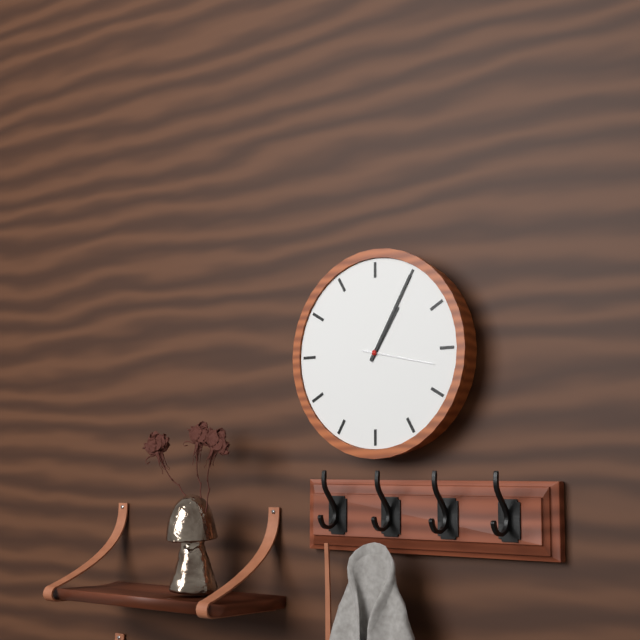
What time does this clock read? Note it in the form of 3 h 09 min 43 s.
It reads 1 h 05 min 17 s
